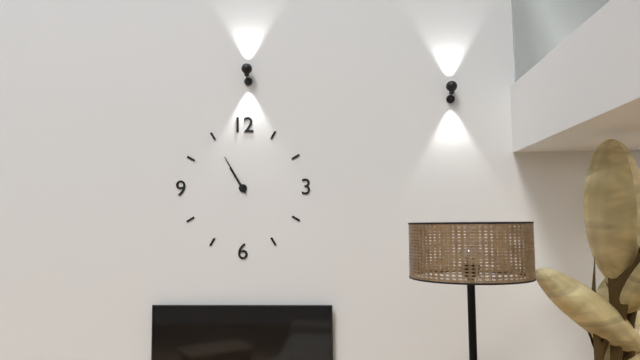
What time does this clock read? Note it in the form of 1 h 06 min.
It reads 10 h 55 min
